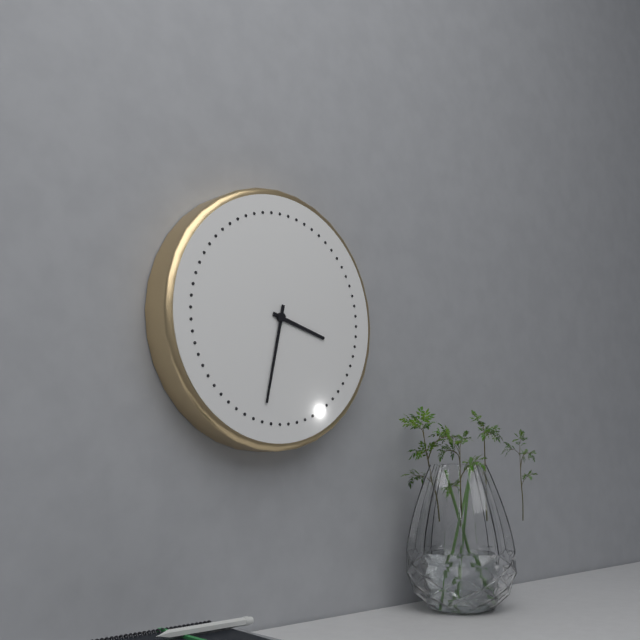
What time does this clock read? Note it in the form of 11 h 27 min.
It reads 3 h 32 min
